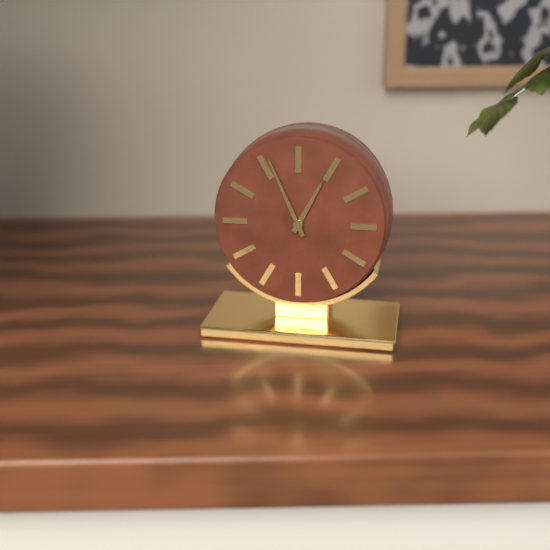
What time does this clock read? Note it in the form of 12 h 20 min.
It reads 12 h 56 min
